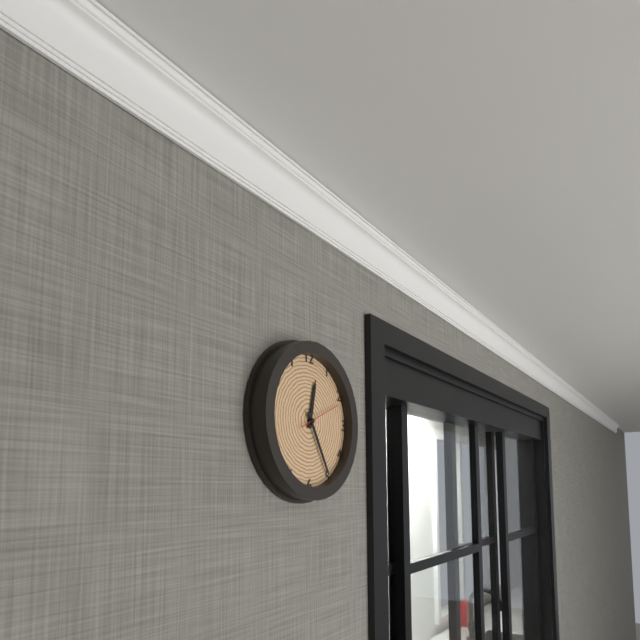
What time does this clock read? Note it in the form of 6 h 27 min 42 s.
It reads 12 h 25 min 11 s
